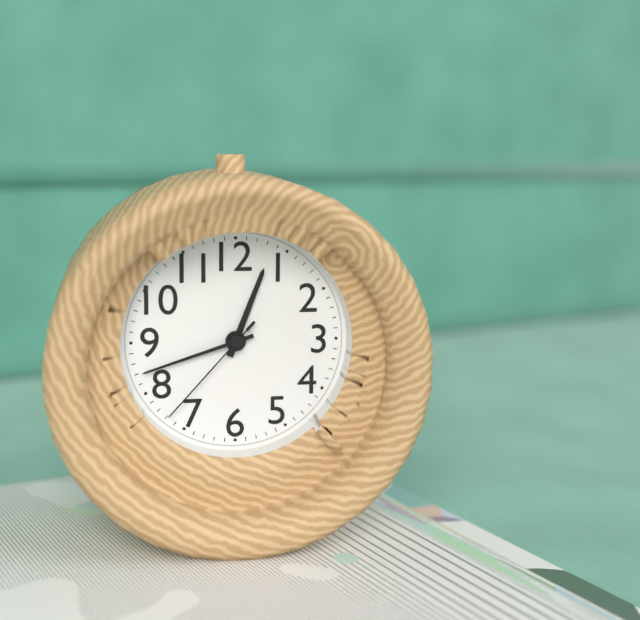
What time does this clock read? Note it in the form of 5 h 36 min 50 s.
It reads 12 h 42 min 37 s
